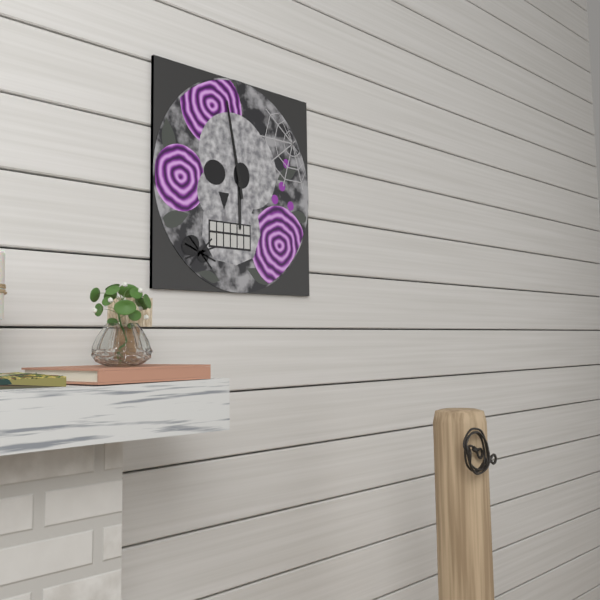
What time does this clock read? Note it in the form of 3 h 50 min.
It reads 5 h 58 min
